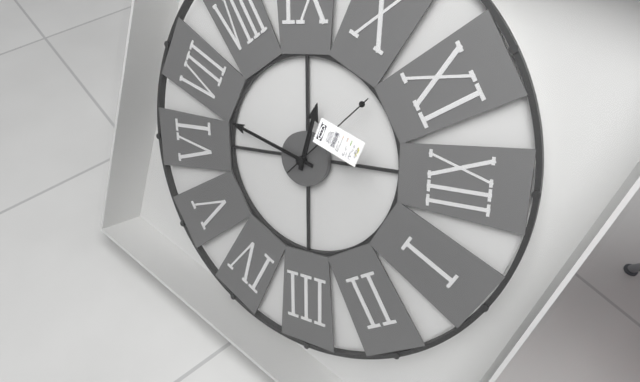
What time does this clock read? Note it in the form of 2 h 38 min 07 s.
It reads 9 h 33 min 53 s
